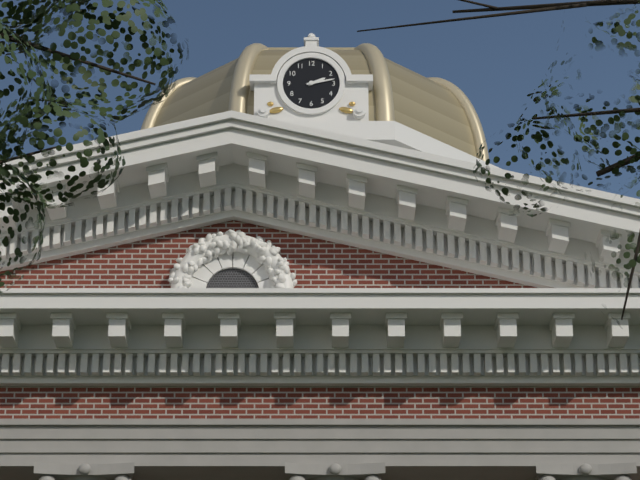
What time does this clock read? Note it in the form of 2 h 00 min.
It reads 2 h 13 min
